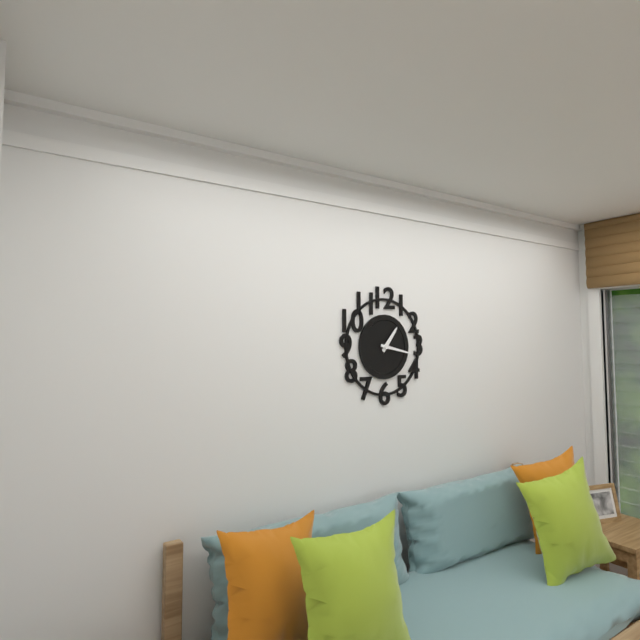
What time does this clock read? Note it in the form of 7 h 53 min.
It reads 1 h 17 min
